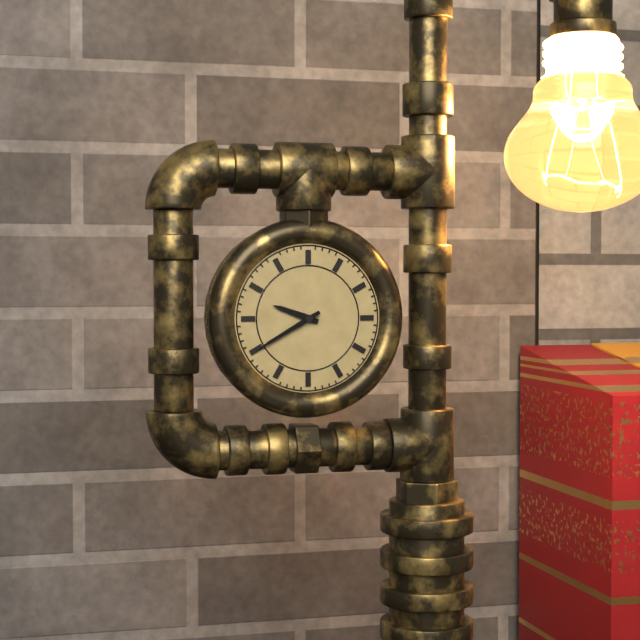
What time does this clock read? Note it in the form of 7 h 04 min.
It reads 9 h 40 min
